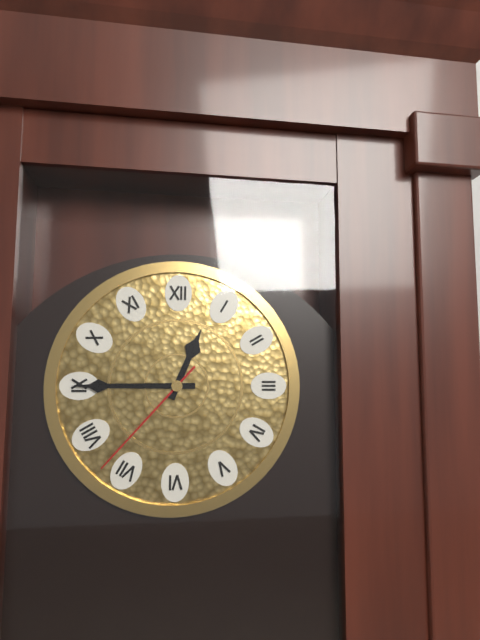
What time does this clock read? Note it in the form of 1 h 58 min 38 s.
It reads 12 h 45 min 37 s
